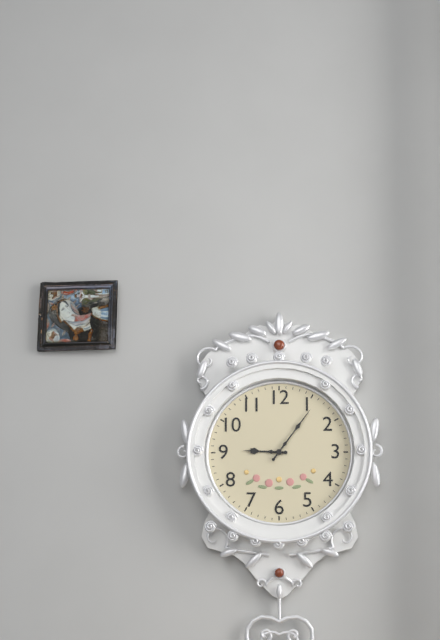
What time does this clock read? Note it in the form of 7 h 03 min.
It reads 9 h 06 min
